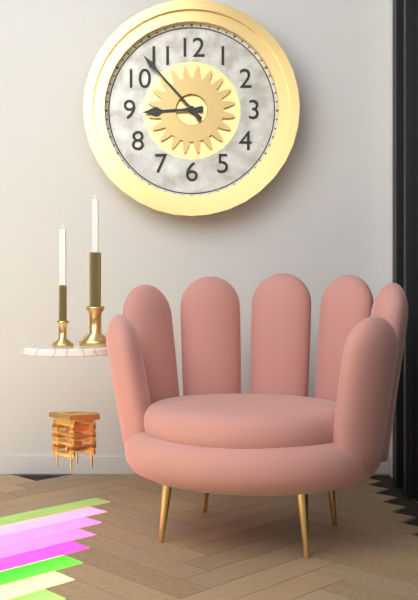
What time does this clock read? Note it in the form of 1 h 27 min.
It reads 8 h 53 min
